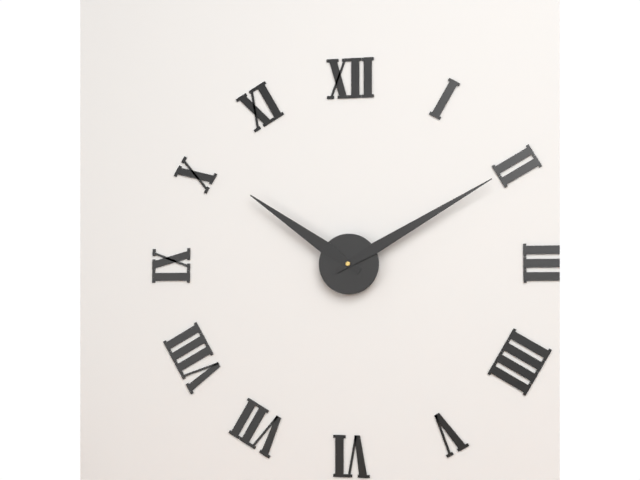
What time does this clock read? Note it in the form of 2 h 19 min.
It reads 10 h 10 min
